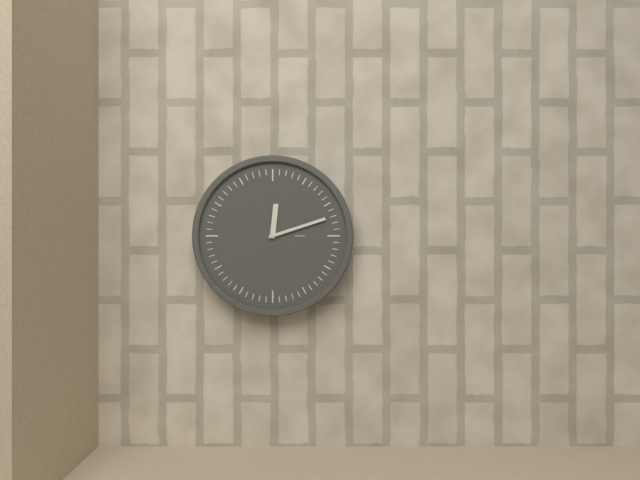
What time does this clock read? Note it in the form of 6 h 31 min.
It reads 12 h 12 min
